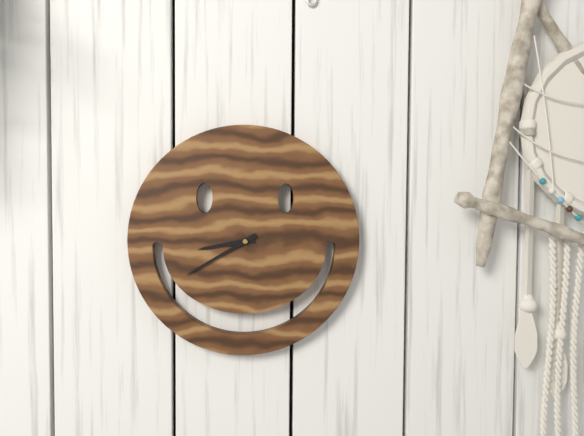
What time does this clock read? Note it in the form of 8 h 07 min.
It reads 8 h 40 min
